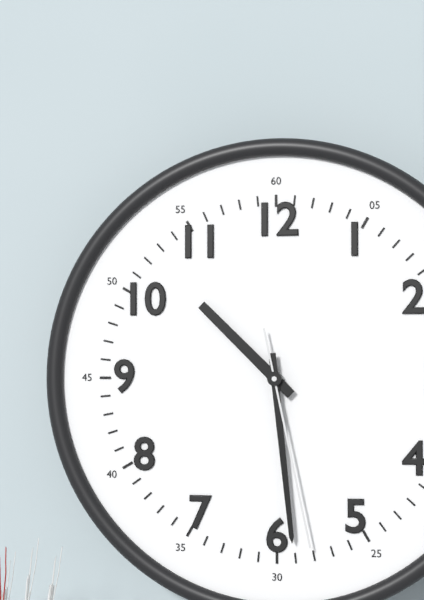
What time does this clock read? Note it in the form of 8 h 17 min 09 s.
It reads 10 h 29 min 28 s
